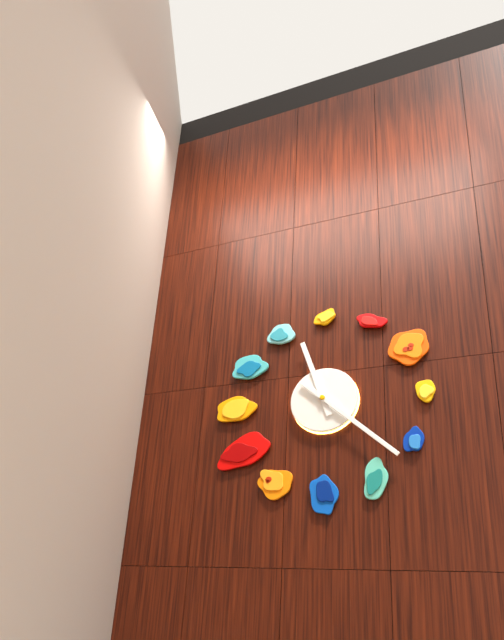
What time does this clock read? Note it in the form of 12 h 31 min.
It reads 11 h 22 min
